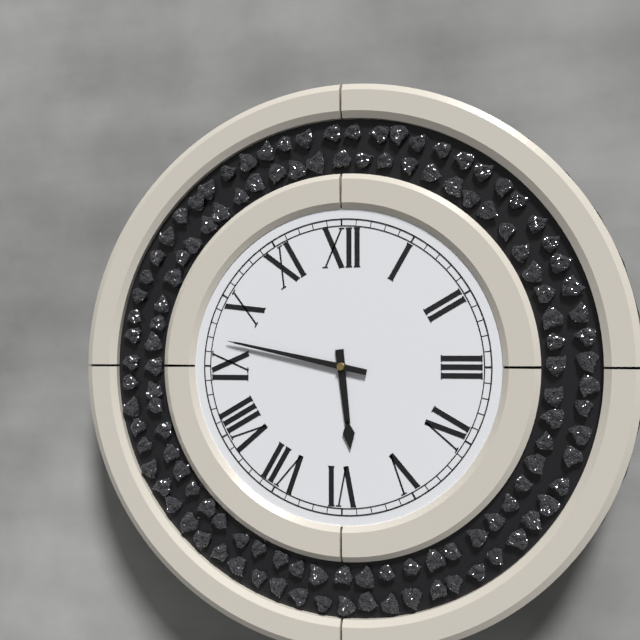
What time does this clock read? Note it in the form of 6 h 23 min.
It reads 5 h 47 min
